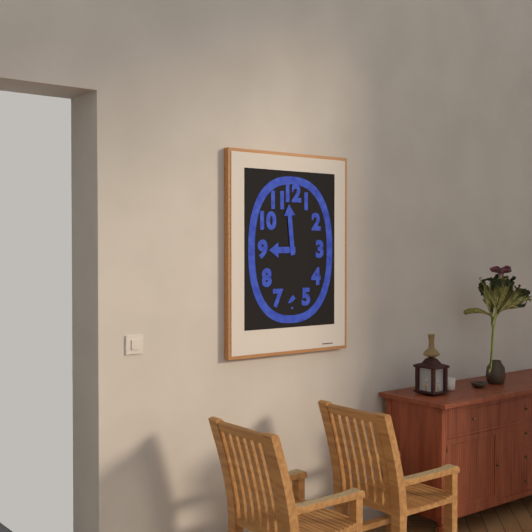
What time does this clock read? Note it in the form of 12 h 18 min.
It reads 8 h 59 min
